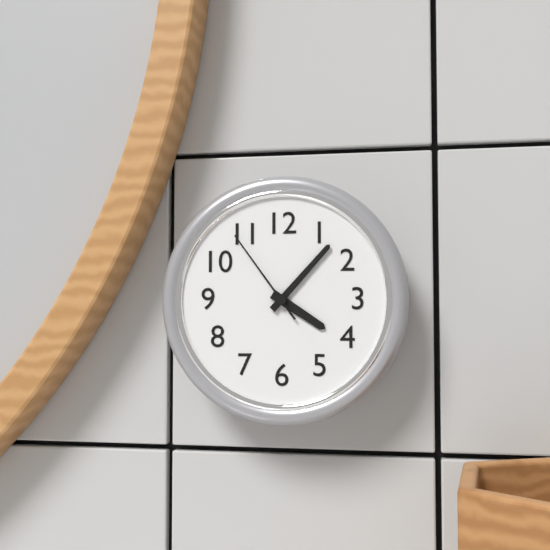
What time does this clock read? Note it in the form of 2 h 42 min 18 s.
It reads 4 h 07 min 54 s
